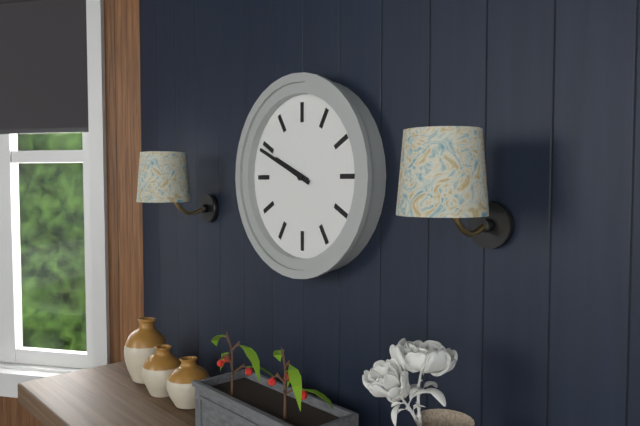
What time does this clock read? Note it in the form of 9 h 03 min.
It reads 9 h 49 min
